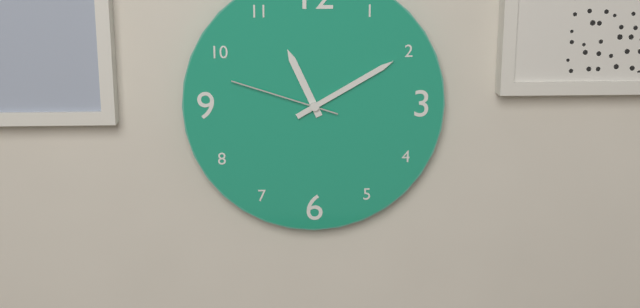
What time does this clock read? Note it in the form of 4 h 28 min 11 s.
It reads 11 h 10 min 48 s
